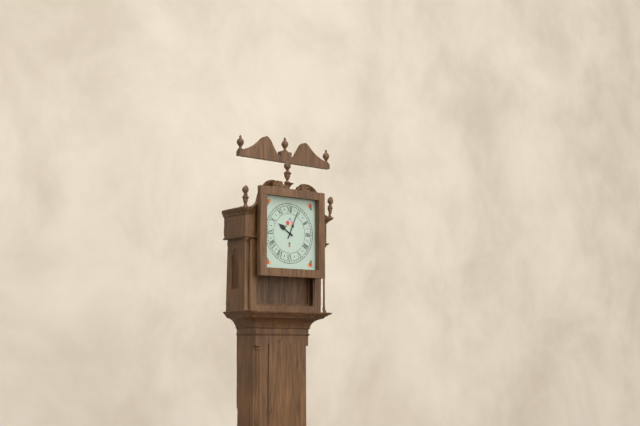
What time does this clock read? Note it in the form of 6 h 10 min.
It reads 10 h 04 min
